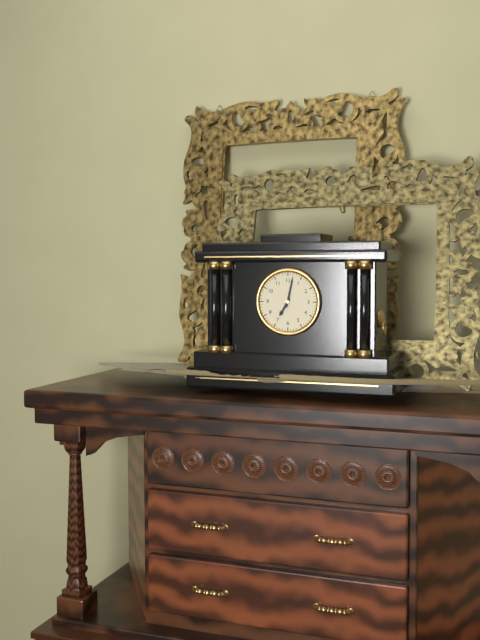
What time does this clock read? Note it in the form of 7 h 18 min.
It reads 7 h 02 min
